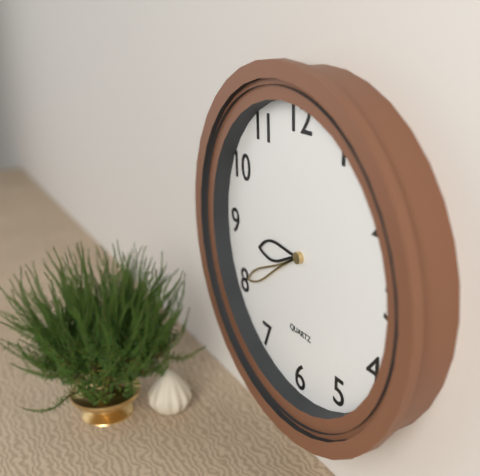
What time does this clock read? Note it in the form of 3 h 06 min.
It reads 8 h 40 min
